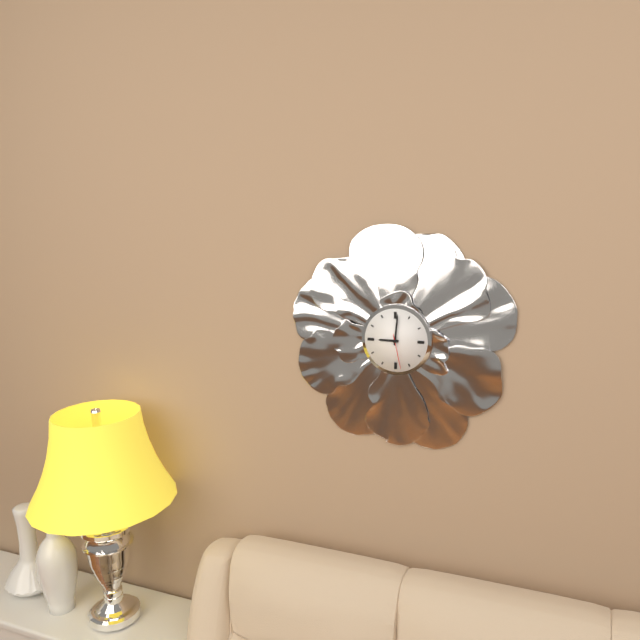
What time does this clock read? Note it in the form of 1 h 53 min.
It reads 9 h 01 min
